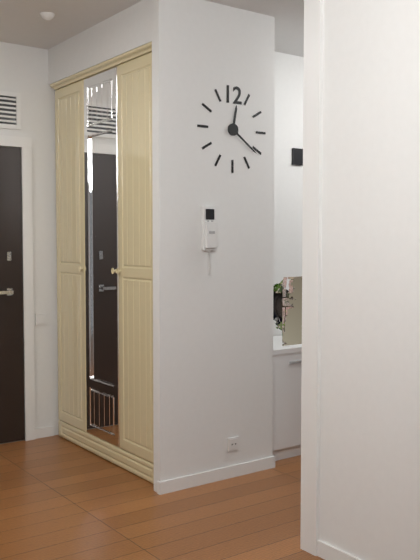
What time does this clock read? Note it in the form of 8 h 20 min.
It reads 12 h 21 min
